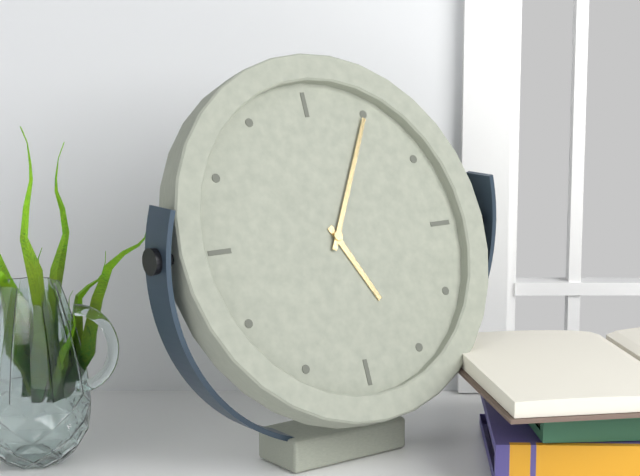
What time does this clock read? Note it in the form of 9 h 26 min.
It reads 5 h 05 min
